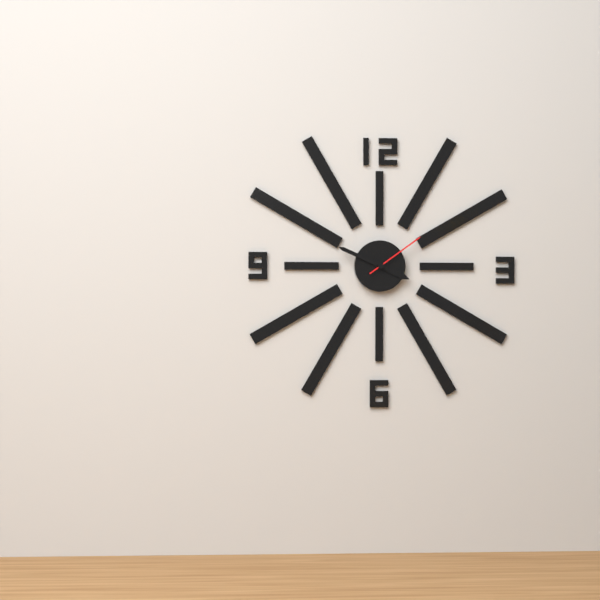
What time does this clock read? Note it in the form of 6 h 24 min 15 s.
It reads 3 h 49 min 09 s
